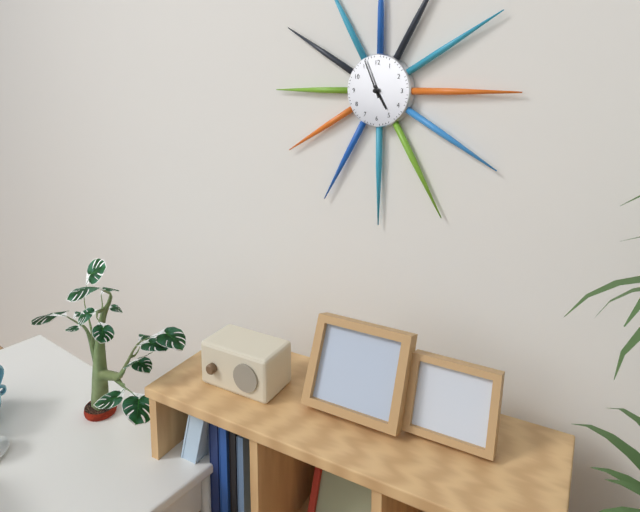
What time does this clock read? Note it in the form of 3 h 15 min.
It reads 4 h 56 min
